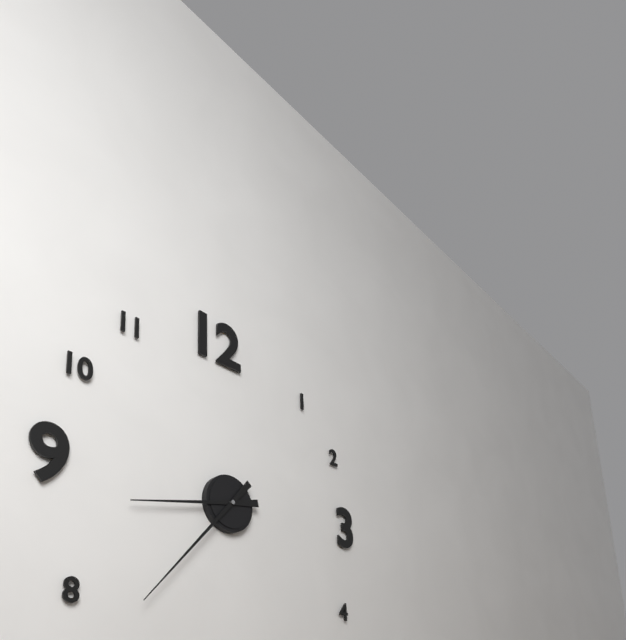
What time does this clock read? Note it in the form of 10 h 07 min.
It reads 8 h 37 min
